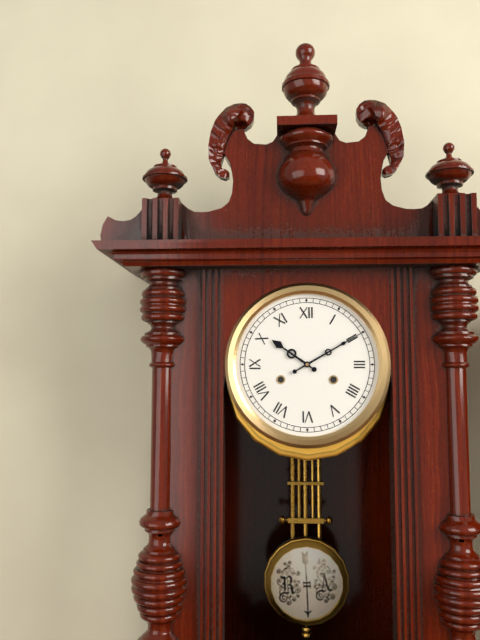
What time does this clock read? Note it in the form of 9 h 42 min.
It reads 10 h 10 min
